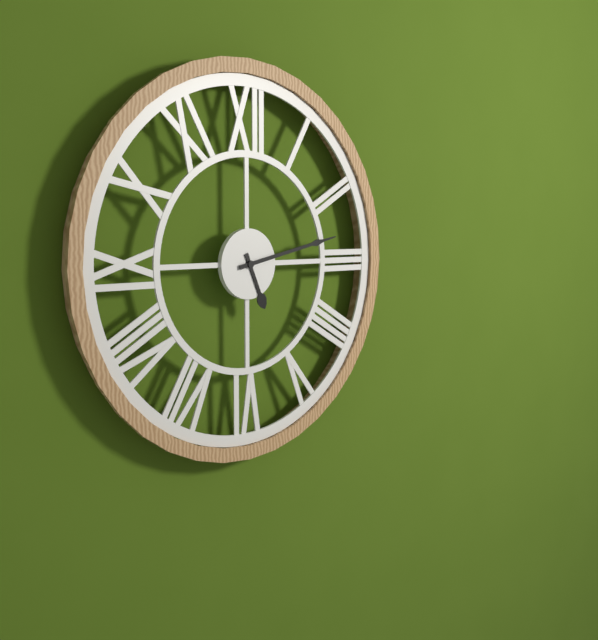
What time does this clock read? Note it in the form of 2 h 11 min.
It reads 5 h 13 min
